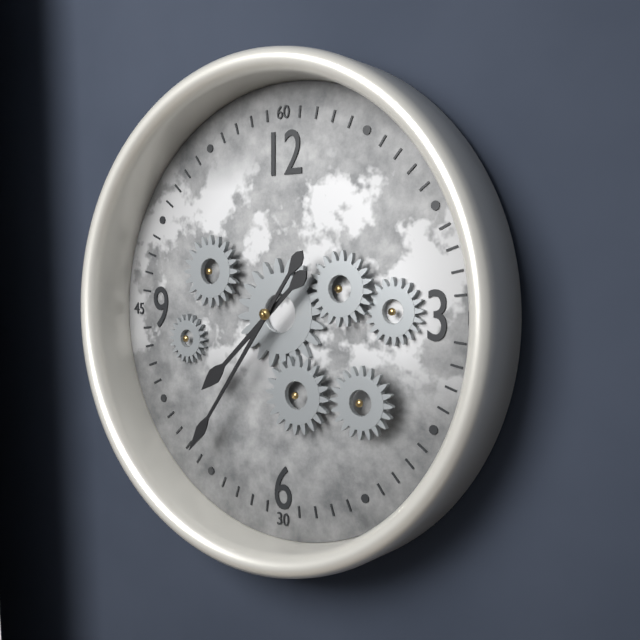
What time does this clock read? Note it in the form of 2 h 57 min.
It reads 7 h 36 min
